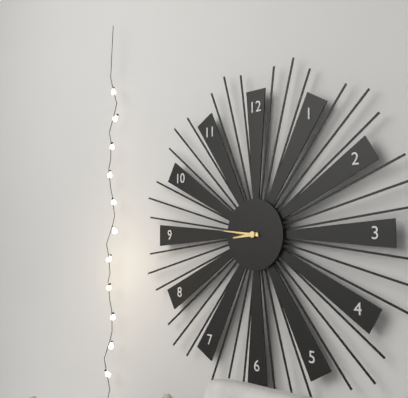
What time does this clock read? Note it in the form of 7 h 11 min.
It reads 8 h 46 min
